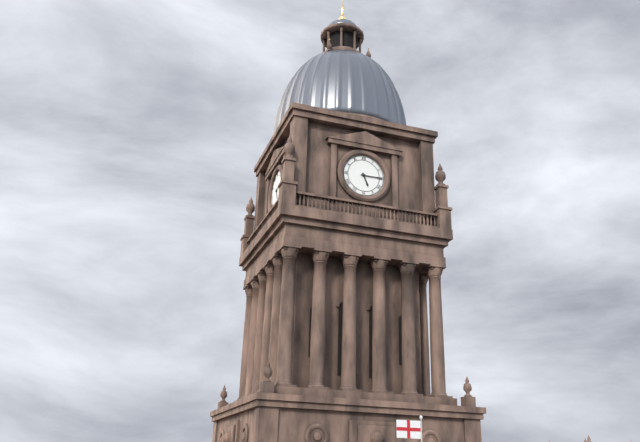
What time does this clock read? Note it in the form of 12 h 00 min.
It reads 5 h 15 min
